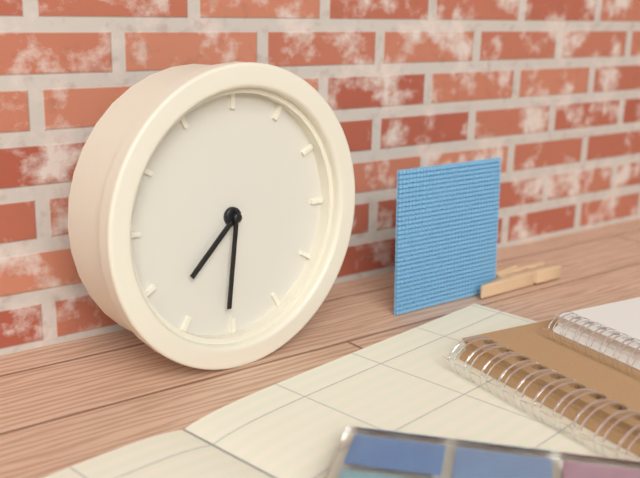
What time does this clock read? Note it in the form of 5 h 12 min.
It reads 7 h 31 min
